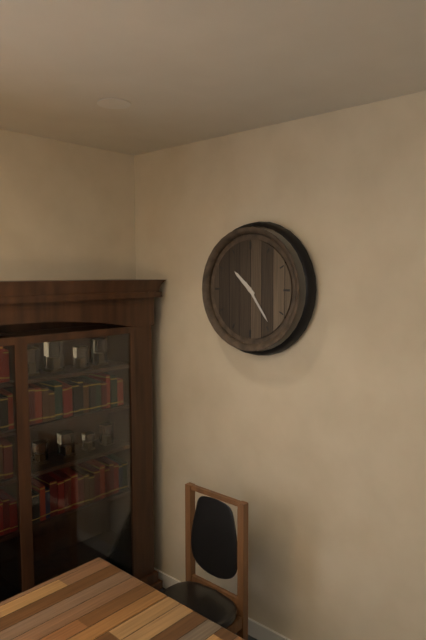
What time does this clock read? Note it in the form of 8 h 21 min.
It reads 10 h 24 min
